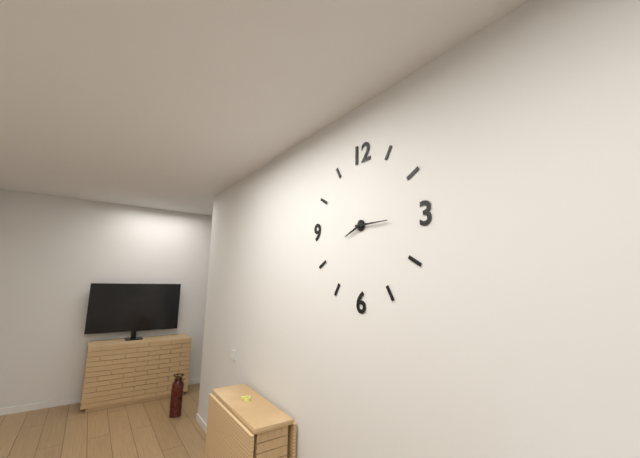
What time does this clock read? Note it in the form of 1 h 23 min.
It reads 8 h 15 min
